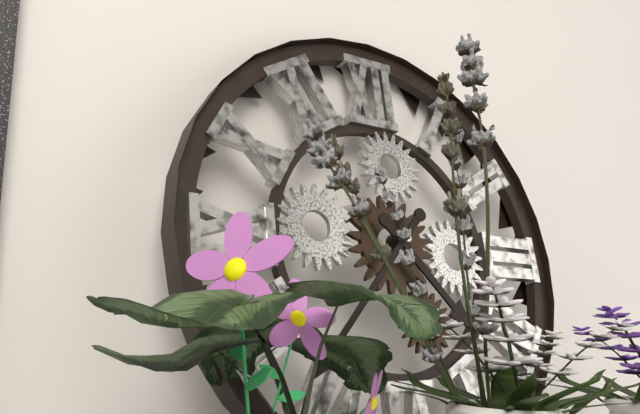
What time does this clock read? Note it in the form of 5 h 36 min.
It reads 4 h 37 min
